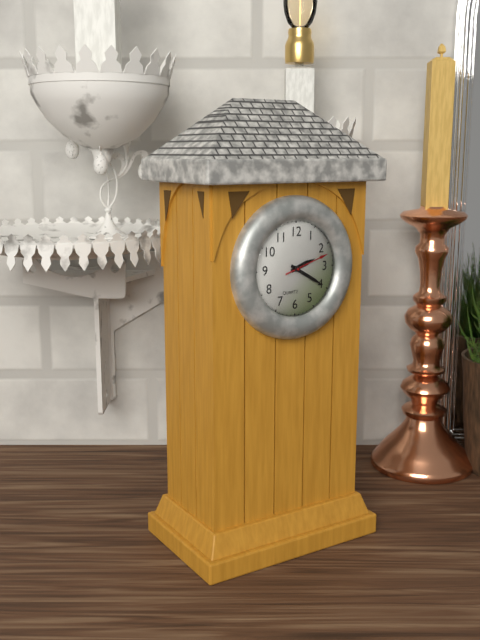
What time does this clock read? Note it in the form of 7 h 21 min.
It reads 2 h 20 min
